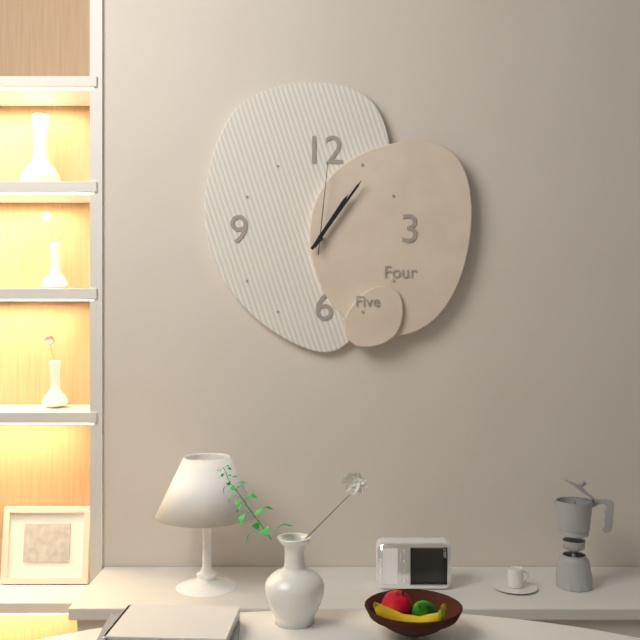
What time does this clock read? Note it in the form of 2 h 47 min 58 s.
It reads 1 h 06 min 01 s
